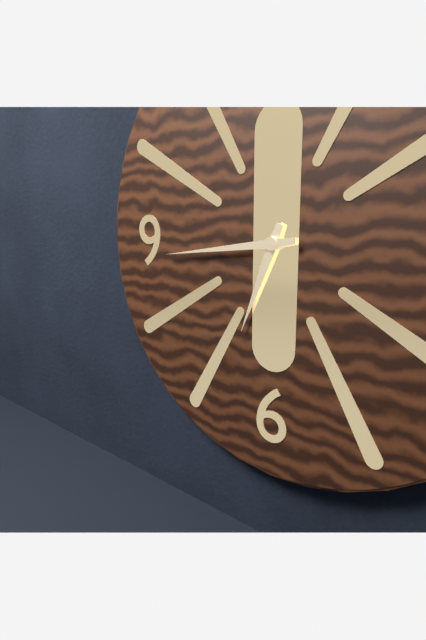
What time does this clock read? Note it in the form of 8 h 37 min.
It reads 6 h 44 min
